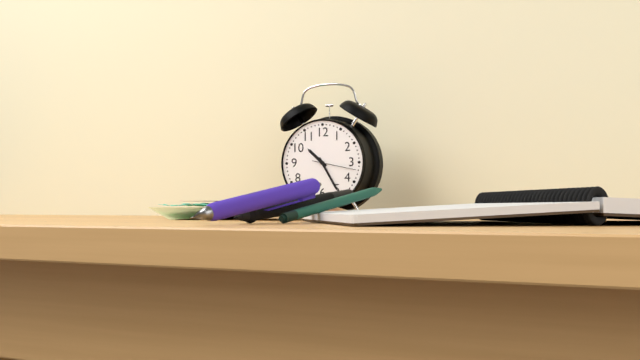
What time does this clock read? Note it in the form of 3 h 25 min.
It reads 10 h 25 min
